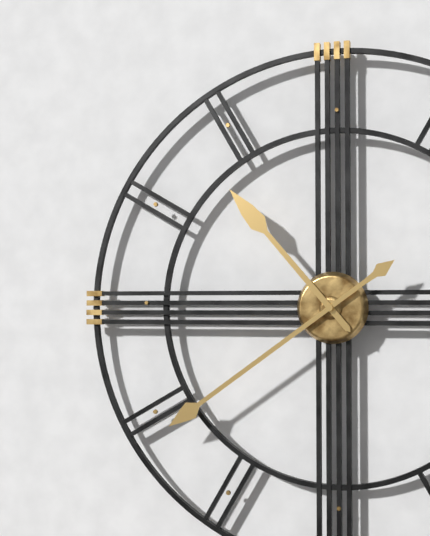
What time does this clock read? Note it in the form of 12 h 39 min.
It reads 10 h 39 min
